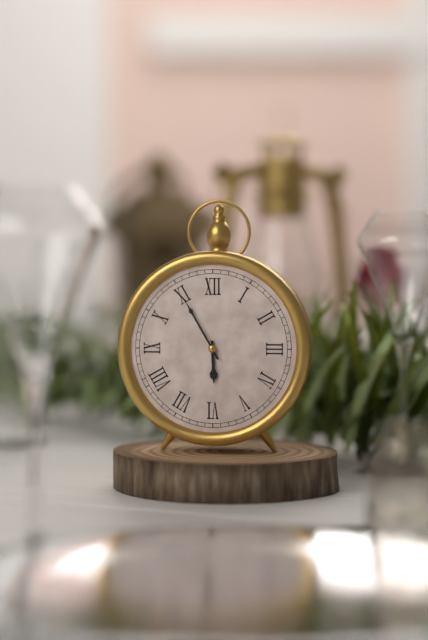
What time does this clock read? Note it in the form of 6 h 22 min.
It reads 5 h 55 min
